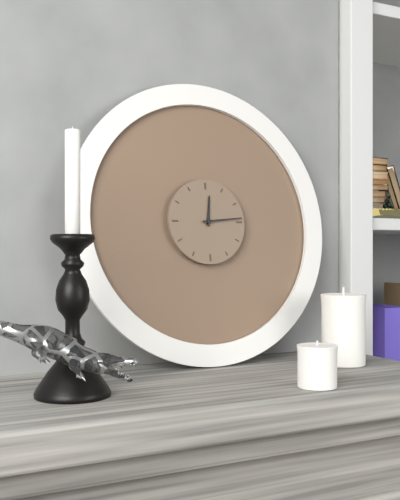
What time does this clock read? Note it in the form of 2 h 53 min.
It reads 12 h 14 min
